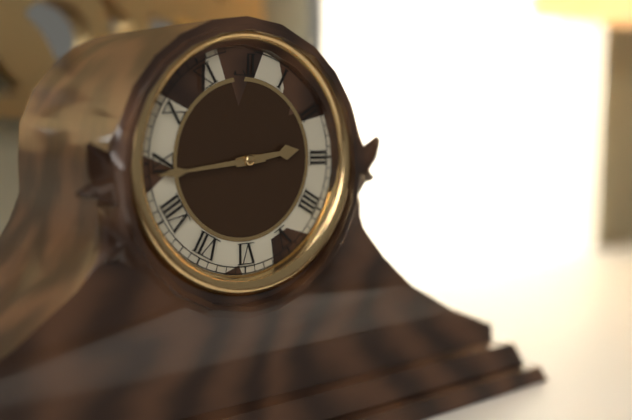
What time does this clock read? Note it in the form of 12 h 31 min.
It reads 2 h 44 min
